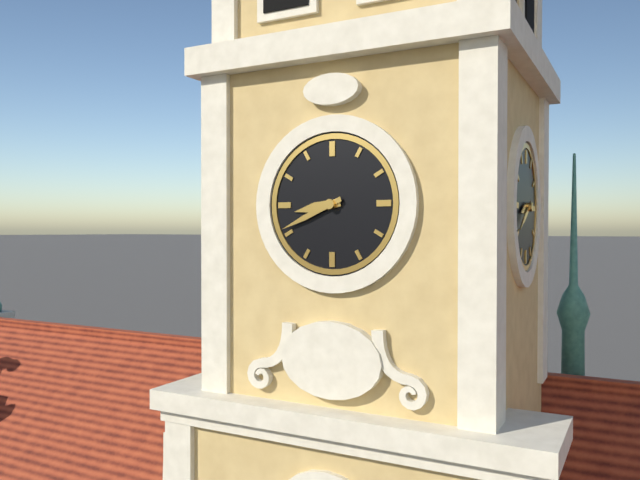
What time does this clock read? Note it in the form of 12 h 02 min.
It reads 8 h 41 min
